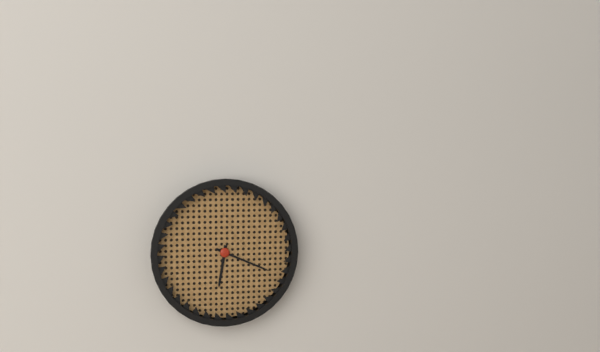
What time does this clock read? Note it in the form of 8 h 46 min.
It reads 6 h 19 min
